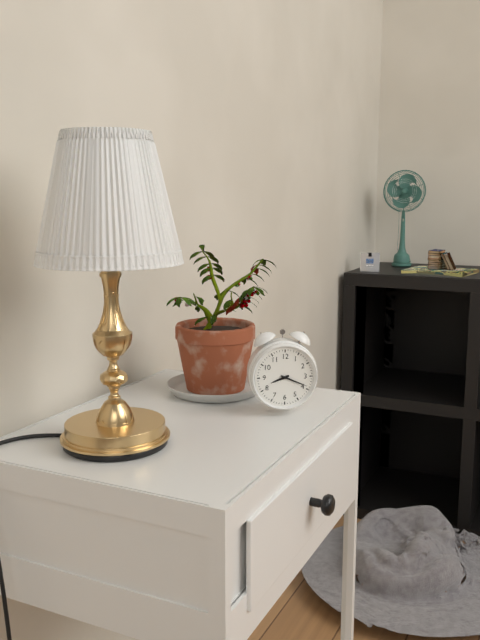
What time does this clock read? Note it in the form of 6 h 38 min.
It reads 8 h 19 min
